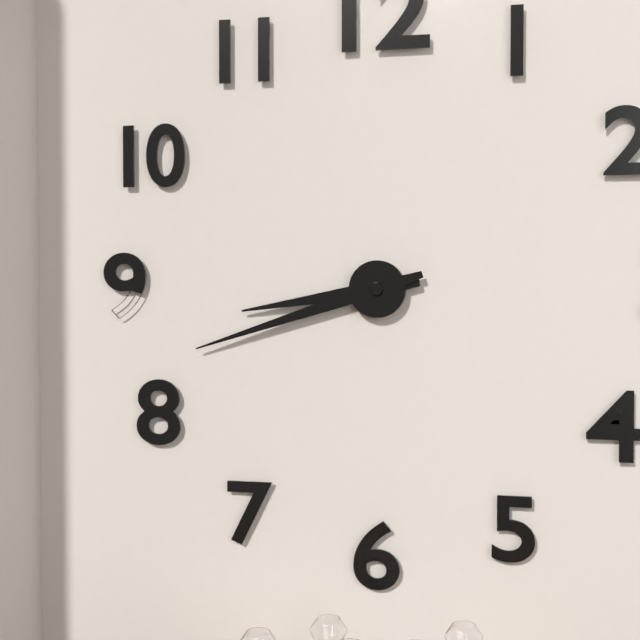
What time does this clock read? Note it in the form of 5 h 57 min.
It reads 8 h 42 min
